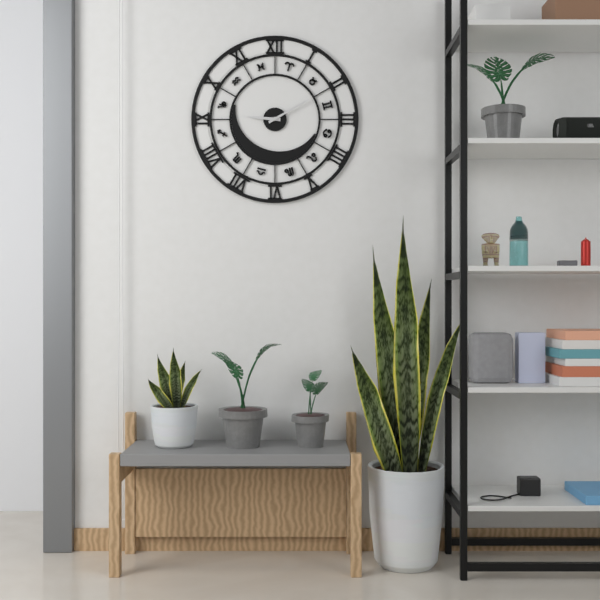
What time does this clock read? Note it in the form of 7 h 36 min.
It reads 9 h 10 min
